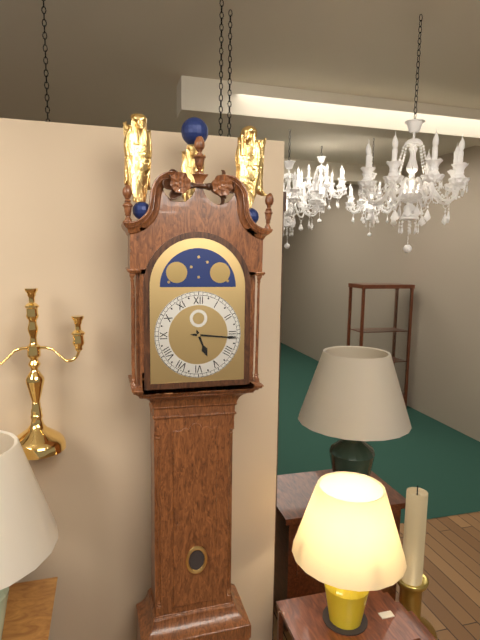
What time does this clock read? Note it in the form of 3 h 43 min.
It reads 5 h 16 min
